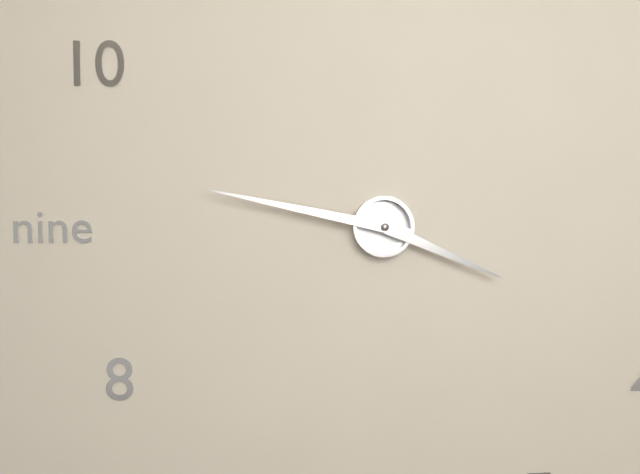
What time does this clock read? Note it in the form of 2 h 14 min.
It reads 3 h 47 min
